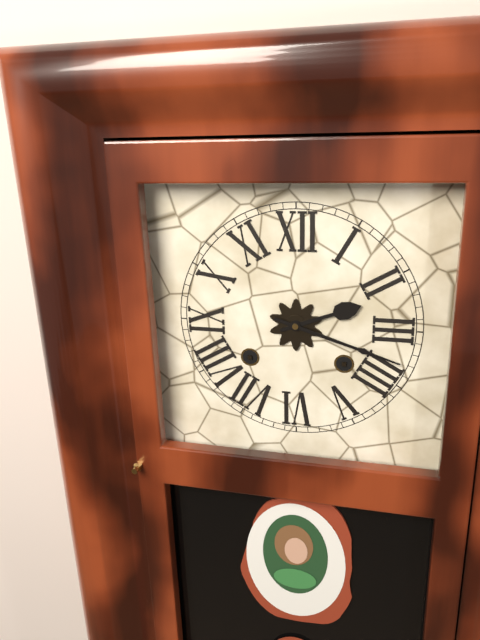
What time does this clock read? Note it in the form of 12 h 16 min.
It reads 2 h 18 min
